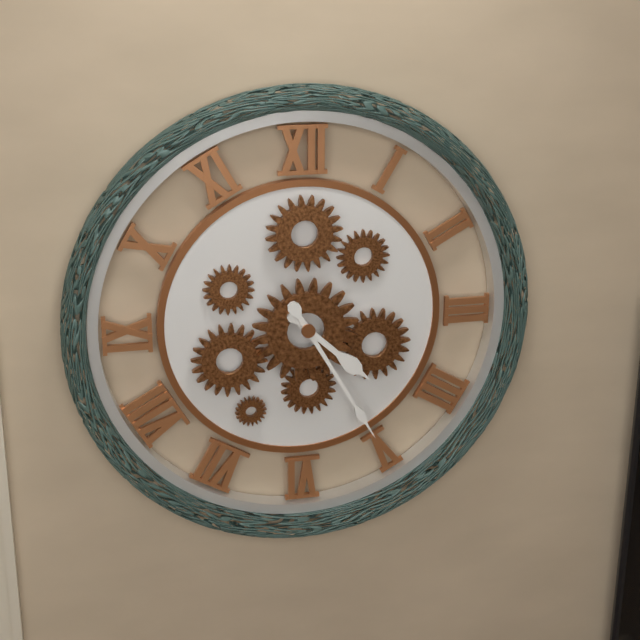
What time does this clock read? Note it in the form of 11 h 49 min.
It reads 4 h 25 min
